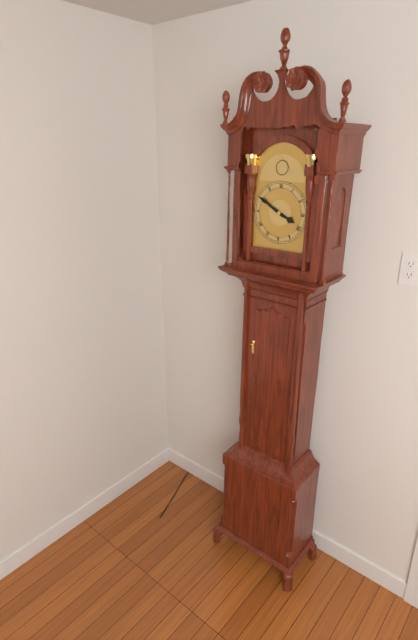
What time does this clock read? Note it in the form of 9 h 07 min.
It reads 3 h 50 min
